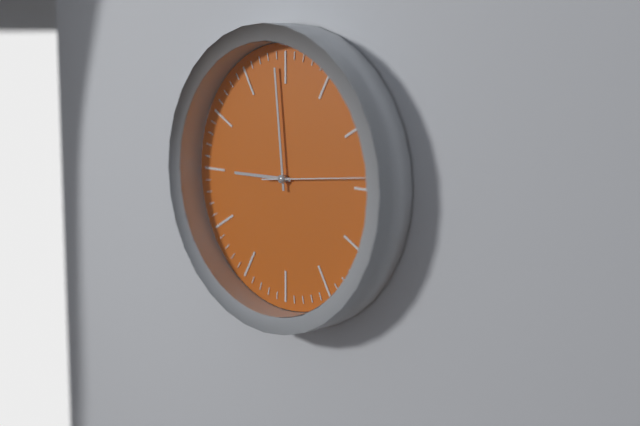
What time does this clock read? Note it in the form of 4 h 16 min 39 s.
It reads 8 h 59 min 14 s
